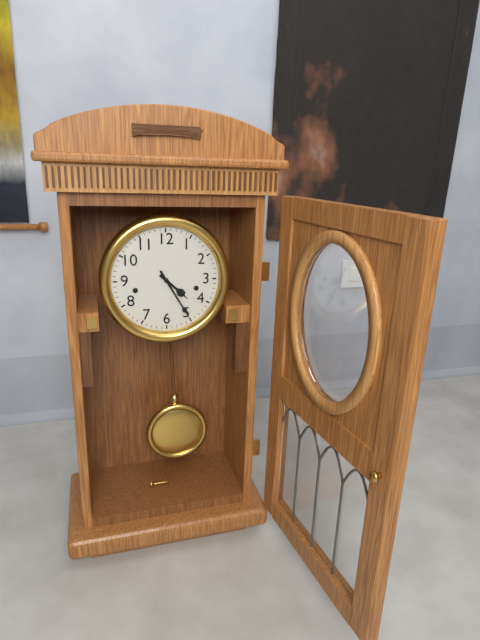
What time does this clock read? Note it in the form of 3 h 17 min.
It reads 4 h 25 min
